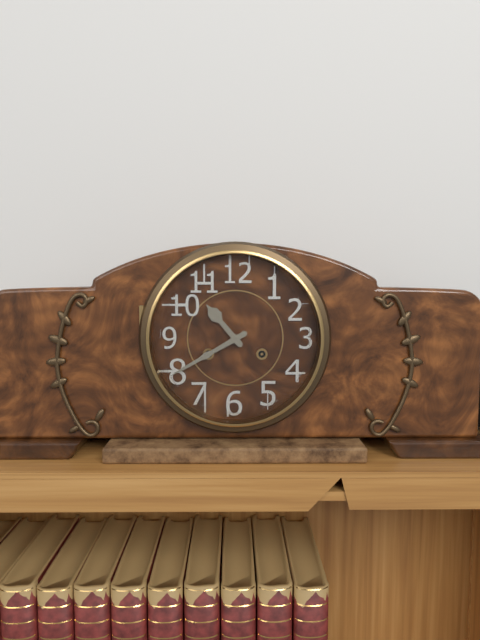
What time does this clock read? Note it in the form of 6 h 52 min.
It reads 10 h 40 min
